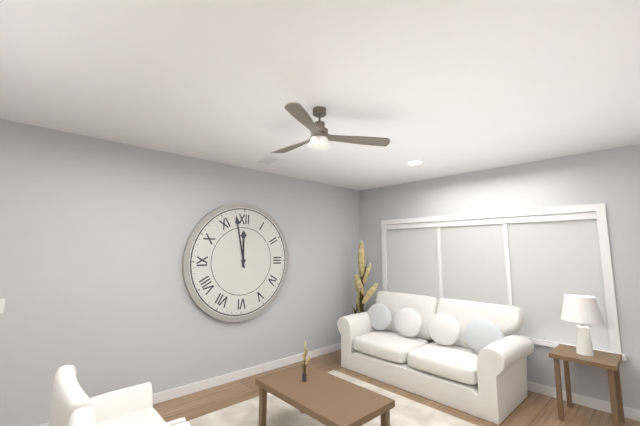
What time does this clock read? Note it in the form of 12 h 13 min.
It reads 11 h 58 min
